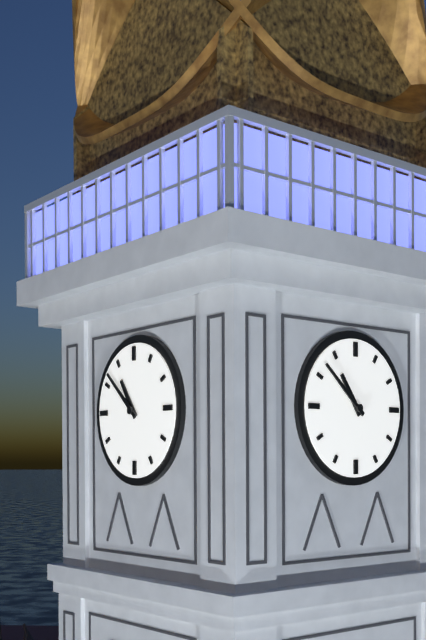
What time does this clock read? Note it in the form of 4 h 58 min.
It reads 10 h 52 min
